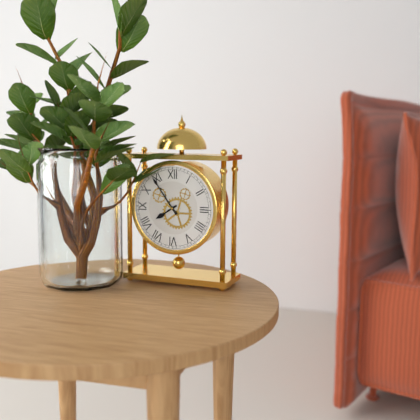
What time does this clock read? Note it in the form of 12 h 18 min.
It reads 7 h 54 min
